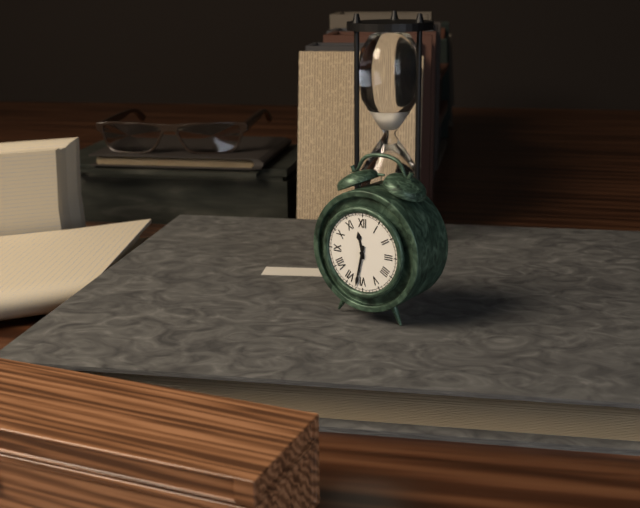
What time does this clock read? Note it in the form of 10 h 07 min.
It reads 11 h 32 min
